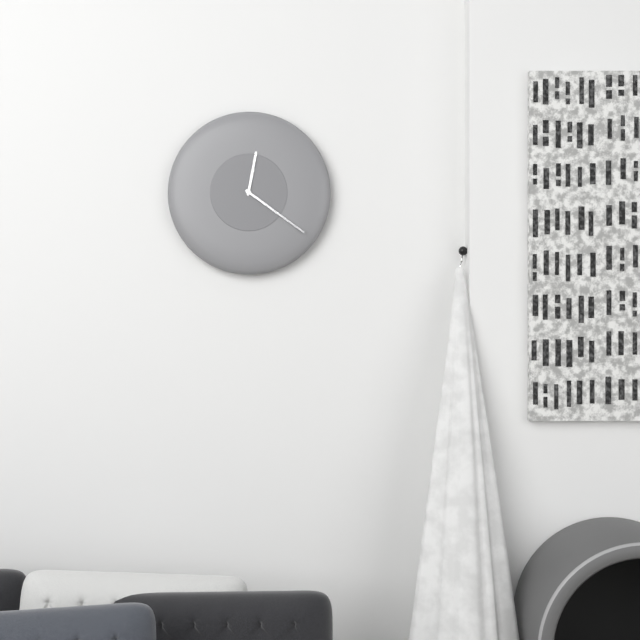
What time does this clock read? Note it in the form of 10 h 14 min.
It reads 12 h 21 min
